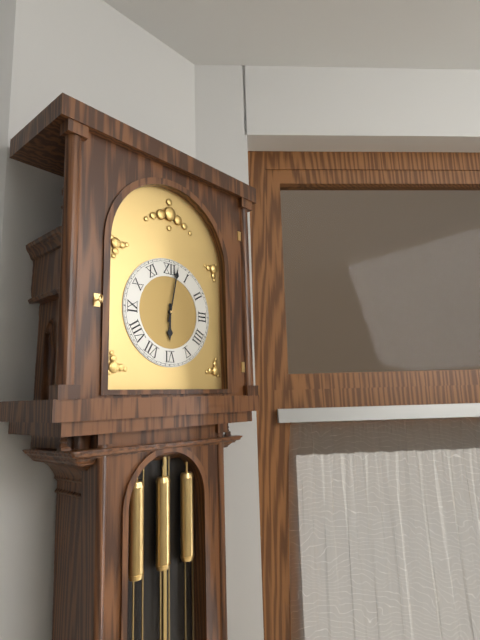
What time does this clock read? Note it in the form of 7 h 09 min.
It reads 6 h 02 min
